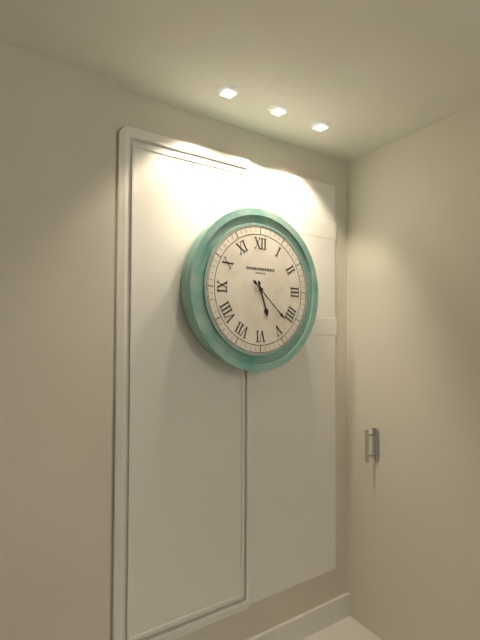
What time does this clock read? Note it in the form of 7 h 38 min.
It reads 5 h 22 min
